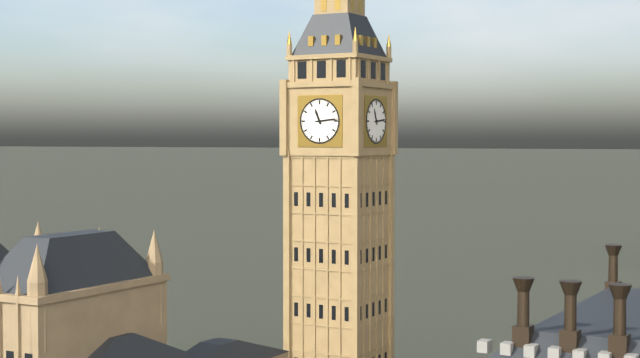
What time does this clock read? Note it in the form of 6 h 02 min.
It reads 11 h 14 min
